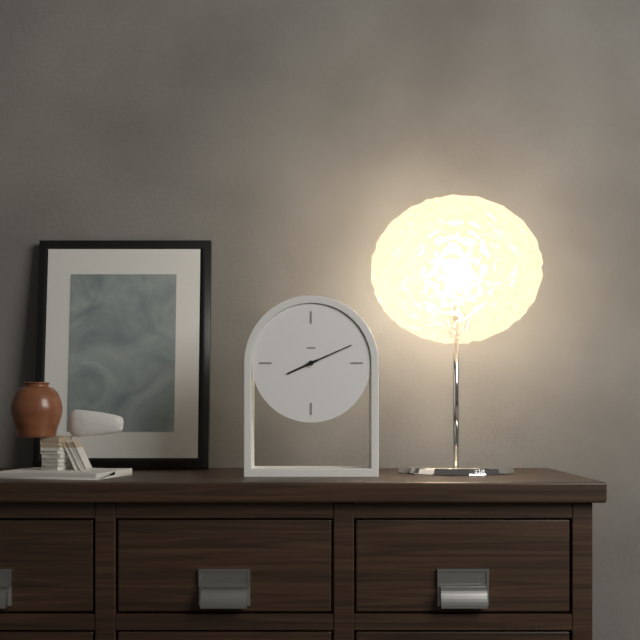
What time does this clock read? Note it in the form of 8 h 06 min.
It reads 8 h 11 min
